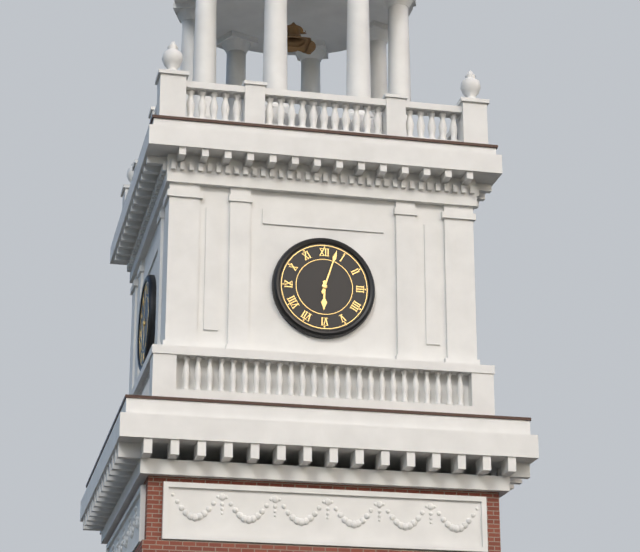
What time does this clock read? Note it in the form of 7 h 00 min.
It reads 6 h 03 min
